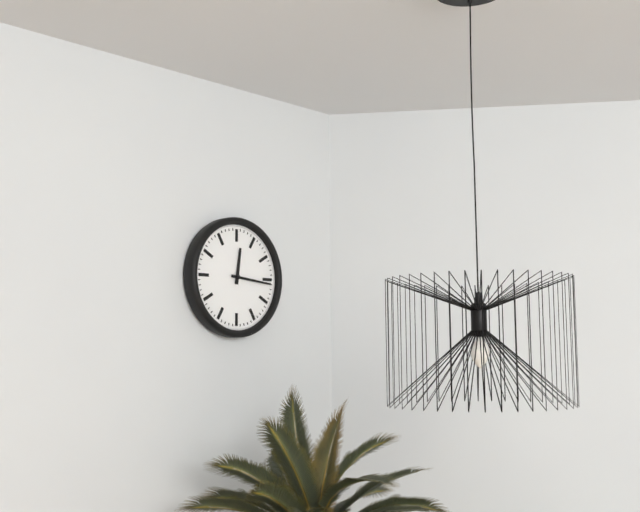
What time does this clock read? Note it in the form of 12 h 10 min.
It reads 12 h 16 min
